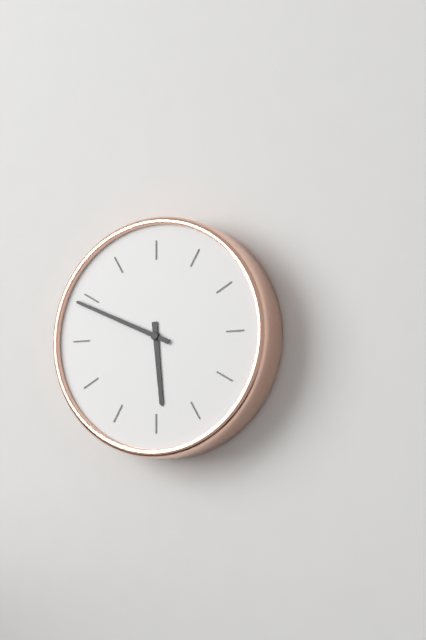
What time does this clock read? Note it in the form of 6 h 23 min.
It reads 5 h 49 min
